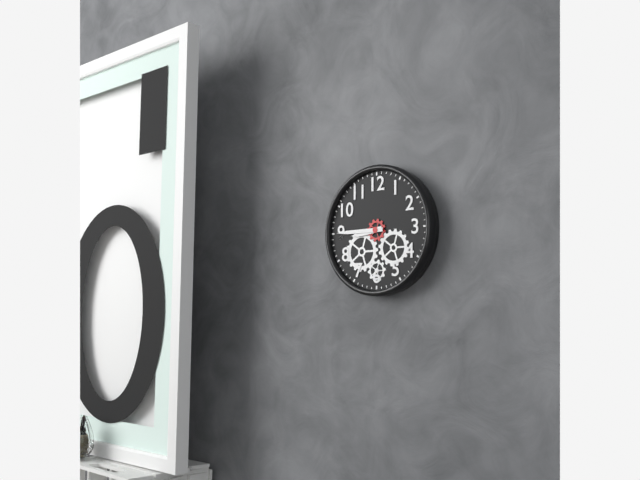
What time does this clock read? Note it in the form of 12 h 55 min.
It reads 8 h 45 min
